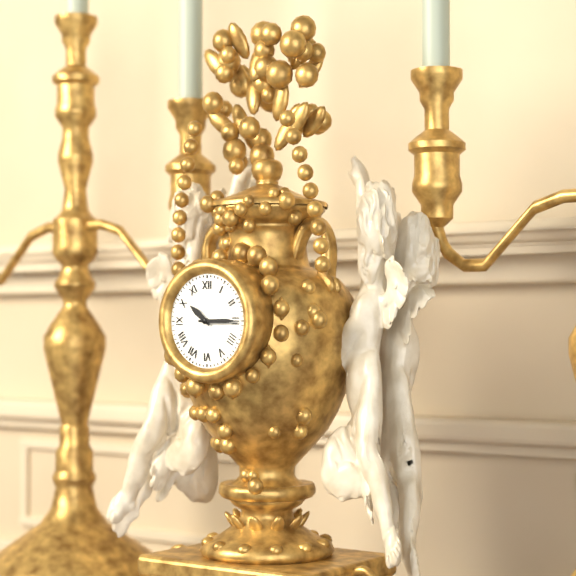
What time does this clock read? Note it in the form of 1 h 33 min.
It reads 10 h 15 min
